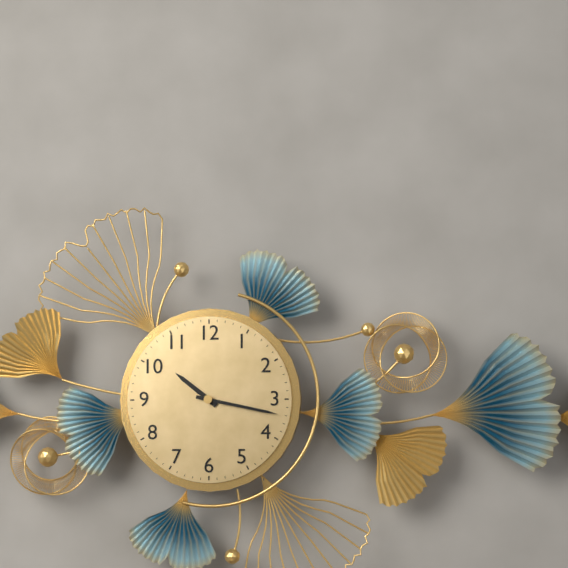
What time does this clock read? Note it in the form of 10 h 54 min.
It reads 10 h 17 min
